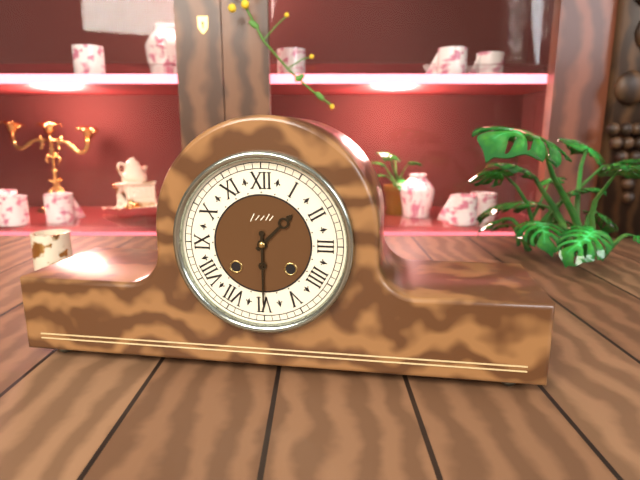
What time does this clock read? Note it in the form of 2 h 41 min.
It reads 1 h 30 min
